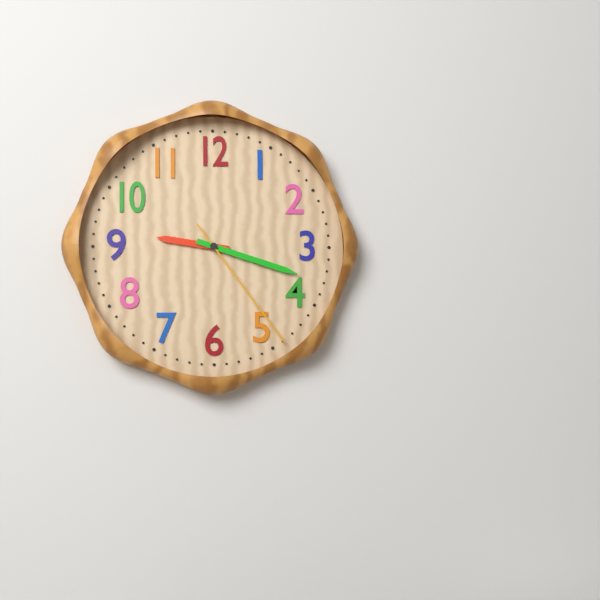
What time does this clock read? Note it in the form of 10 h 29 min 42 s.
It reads 9 h 18 min 24 s
